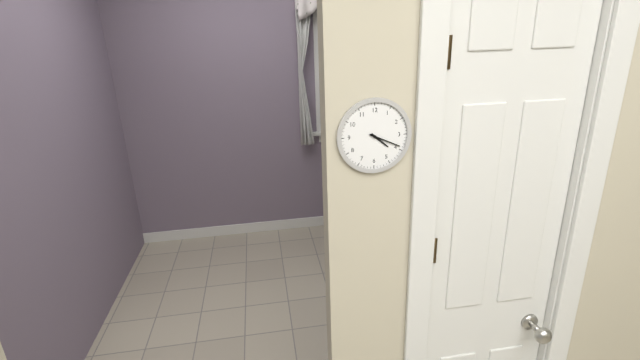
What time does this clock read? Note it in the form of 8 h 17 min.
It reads 4 h 19 min
